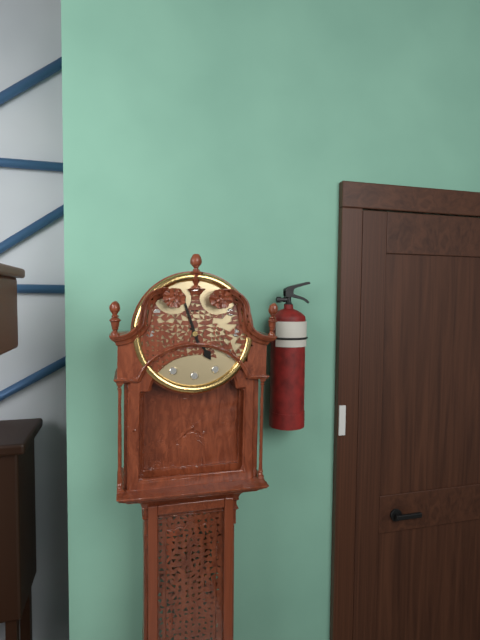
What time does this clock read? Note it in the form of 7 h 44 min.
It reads 4 h 57 min
